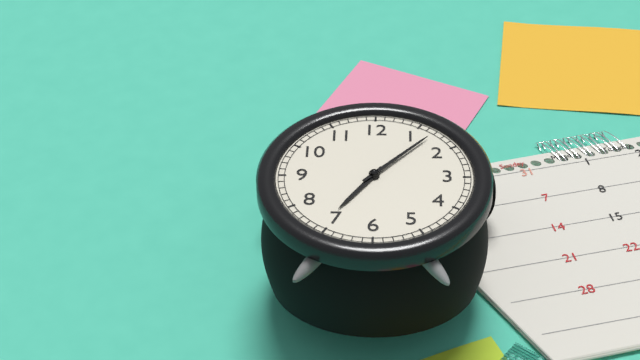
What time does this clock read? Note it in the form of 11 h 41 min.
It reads 7 h 07 min
